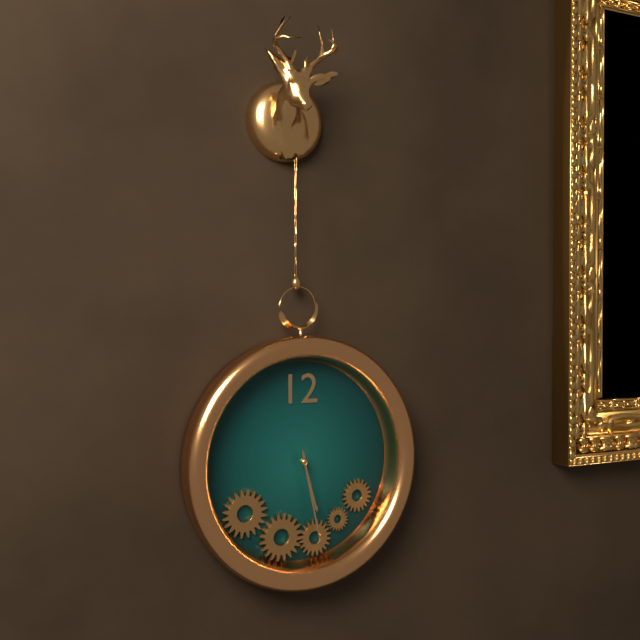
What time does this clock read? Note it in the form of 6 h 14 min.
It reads 5 h 28 min
